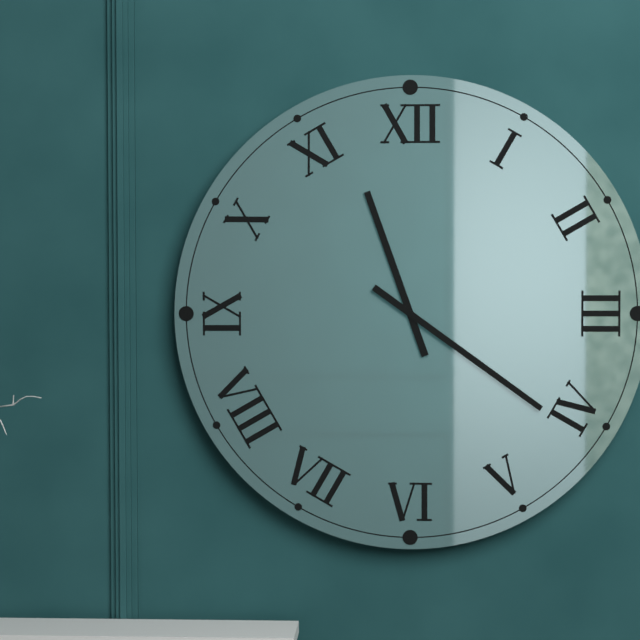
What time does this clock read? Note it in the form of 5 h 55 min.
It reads 11 h 21 min
